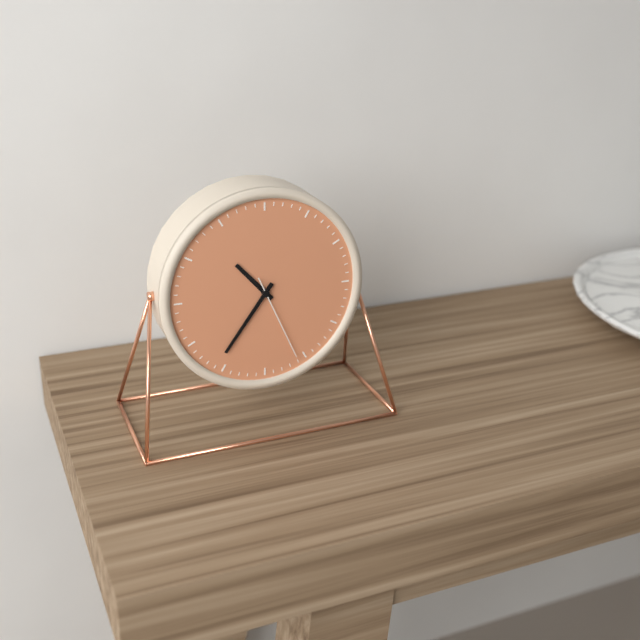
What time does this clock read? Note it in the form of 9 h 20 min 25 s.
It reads 10 h 36 min 26 s
